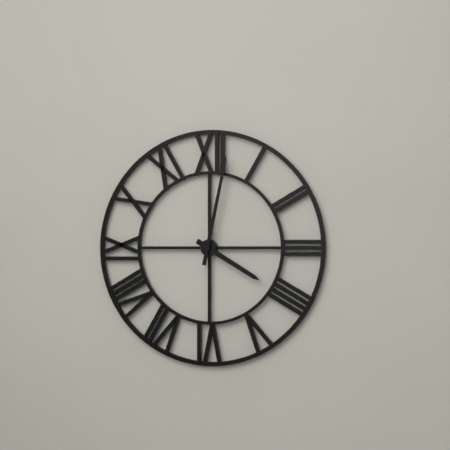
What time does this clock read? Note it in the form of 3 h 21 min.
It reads 4 h 02 min
